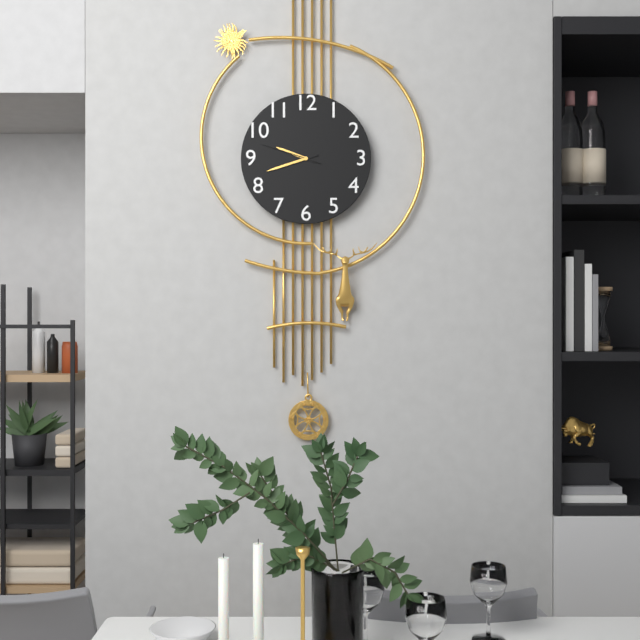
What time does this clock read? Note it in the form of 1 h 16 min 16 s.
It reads 9 h 42 min 48 s
